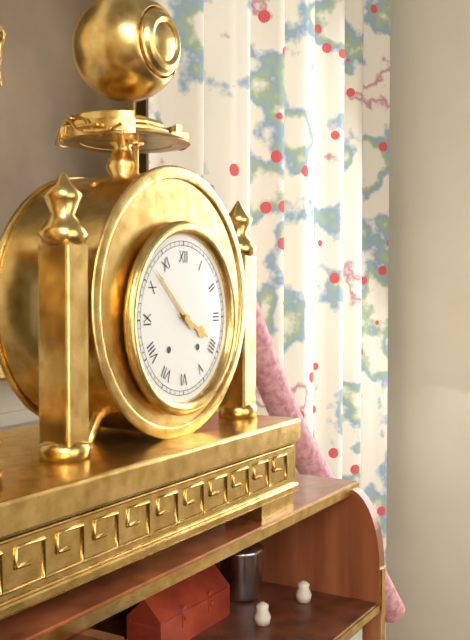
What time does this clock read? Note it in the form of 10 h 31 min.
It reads 3 h 52 min
